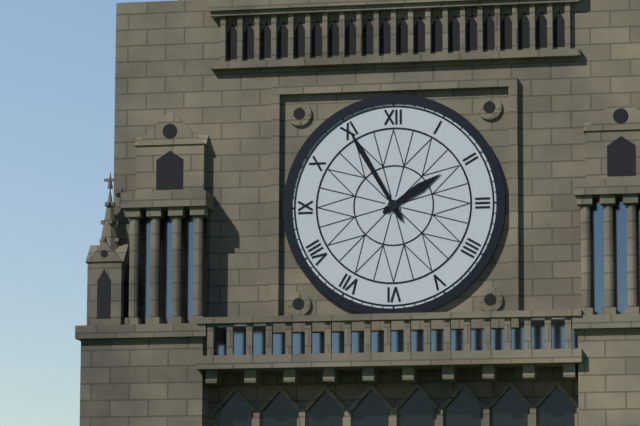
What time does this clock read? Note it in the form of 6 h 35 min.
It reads 1 h 55 min
